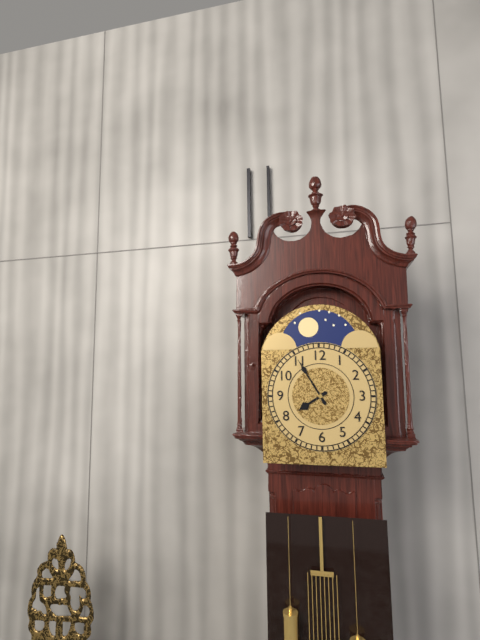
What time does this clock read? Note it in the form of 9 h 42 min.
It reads 7 h 55 min
